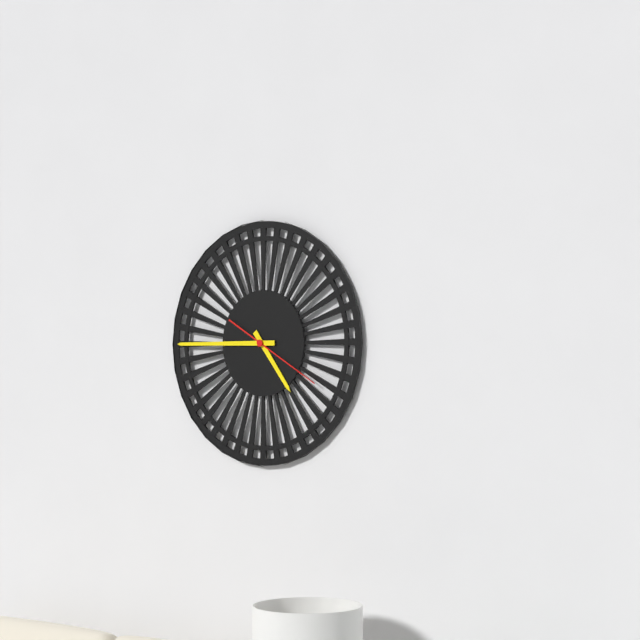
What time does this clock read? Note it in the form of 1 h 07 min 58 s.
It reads 4 h 45 min 20 s
